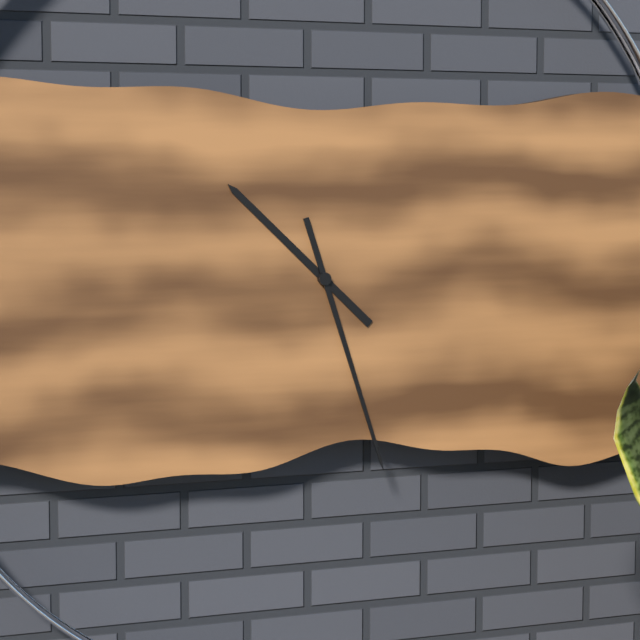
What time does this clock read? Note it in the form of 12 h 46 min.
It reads 10 h 27 min
